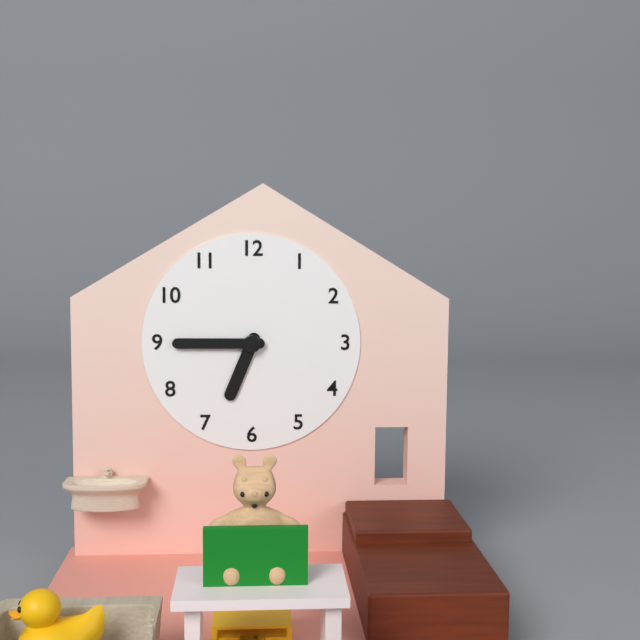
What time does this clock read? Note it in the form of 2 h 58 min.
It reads 6 h 45 min
